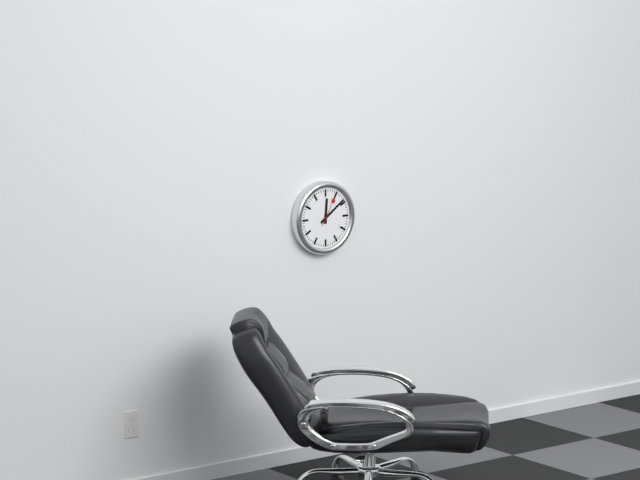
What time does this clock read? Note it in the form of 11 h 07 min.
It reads 12 h 09 min
